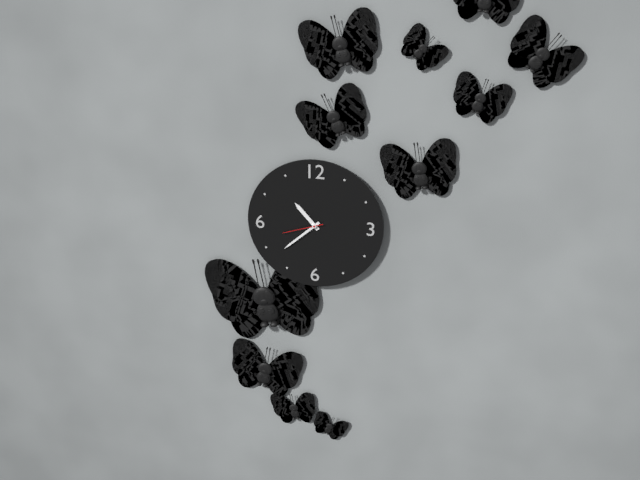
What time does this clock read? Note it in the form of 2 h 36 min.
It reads 10 h 38 min
